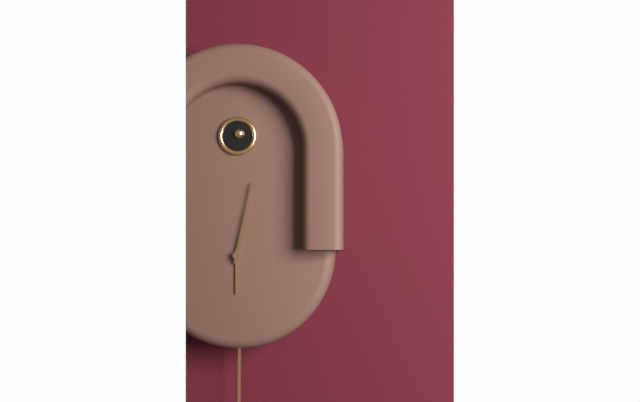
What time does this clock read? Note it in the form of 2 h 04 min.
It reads 6 h 02 min
